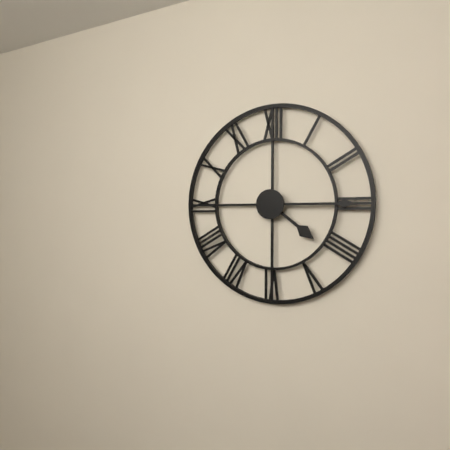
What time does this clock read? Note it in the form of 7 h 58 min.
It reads 4 h 15 min
